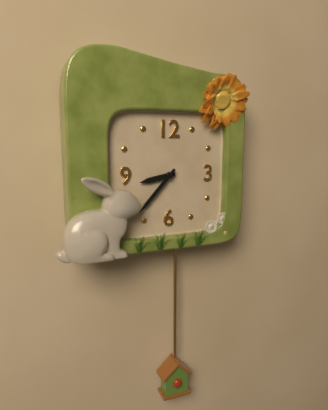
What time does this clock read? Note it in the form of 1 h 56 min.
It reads 8 h 37 min
